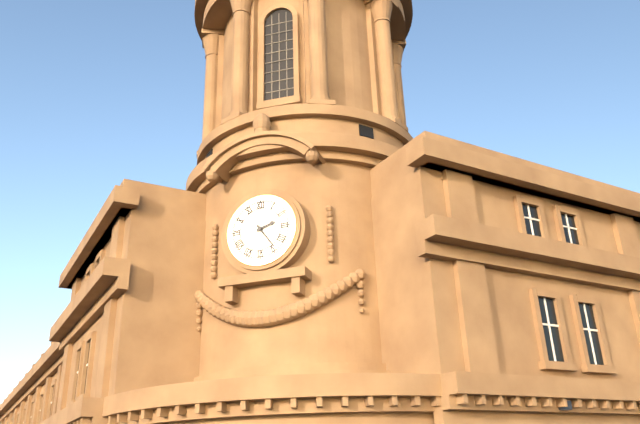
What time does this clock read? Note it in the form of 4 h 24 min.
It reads 2 h 24 min
